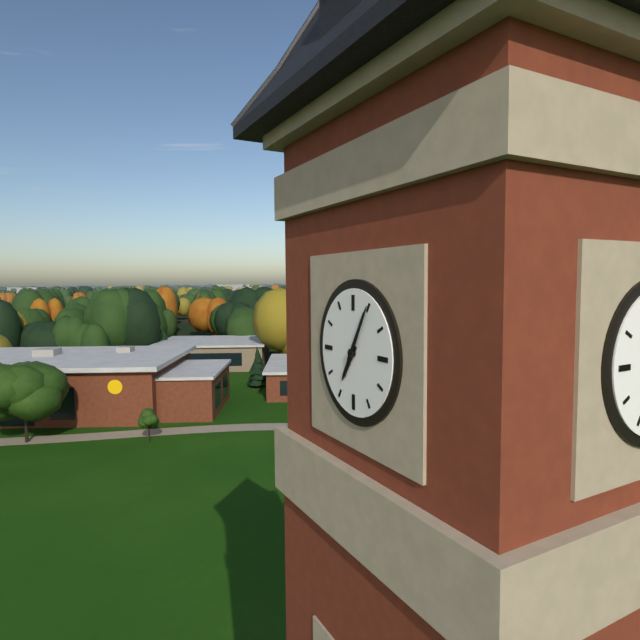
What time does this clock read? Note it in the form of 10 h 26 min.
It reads 7 h 05 min
